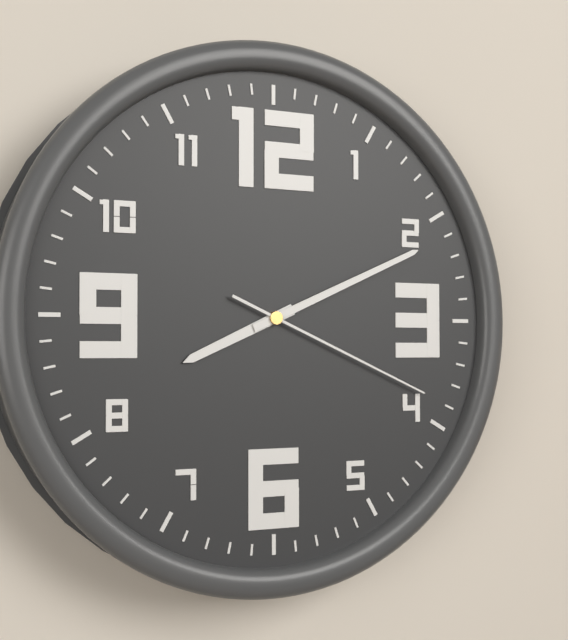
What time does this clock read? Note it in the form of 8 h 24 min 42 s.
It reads 8 h 11 min 19 s
